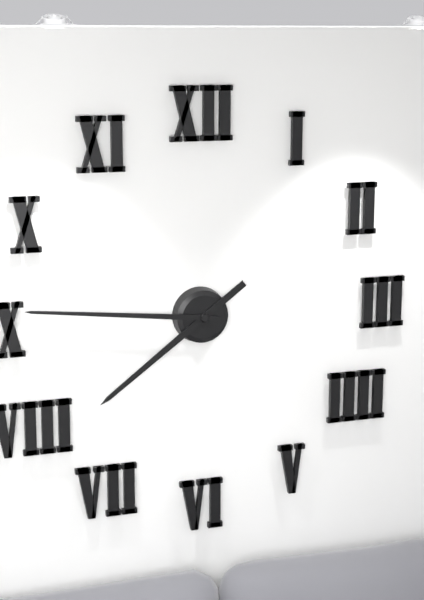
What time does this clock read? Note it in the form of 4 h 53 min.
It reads 7 h 46 min
